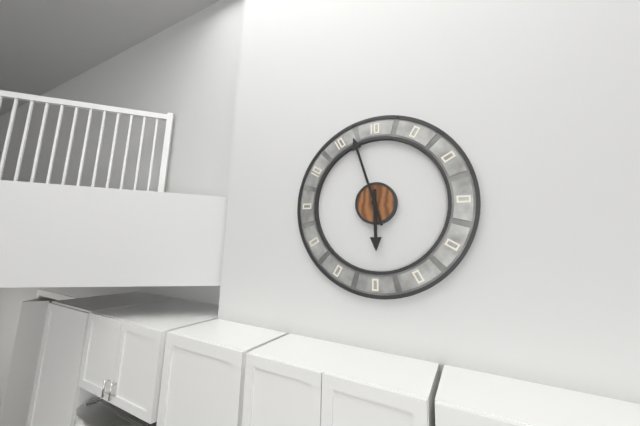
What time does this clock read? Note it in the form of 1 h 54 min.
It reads 5 h 57 min
